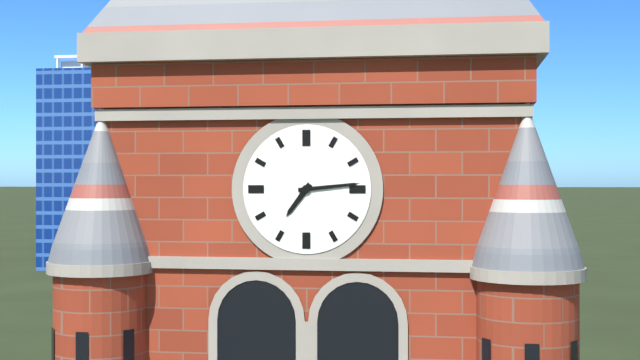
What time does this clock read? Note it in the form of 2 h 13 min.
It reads 7 h 14 min
